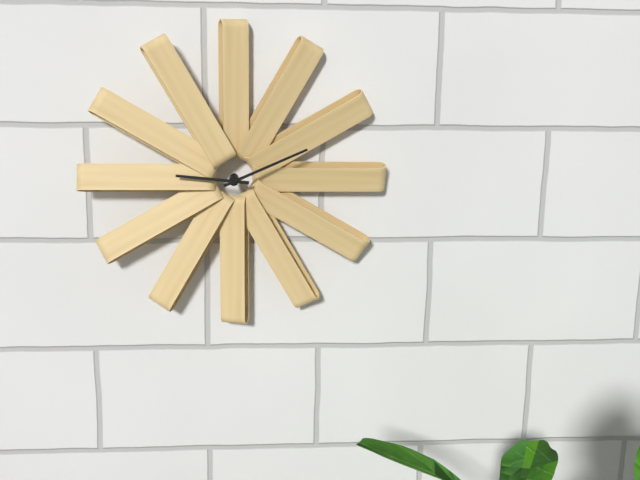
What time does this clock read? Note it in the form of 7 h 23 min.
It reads 9 h 11 min
